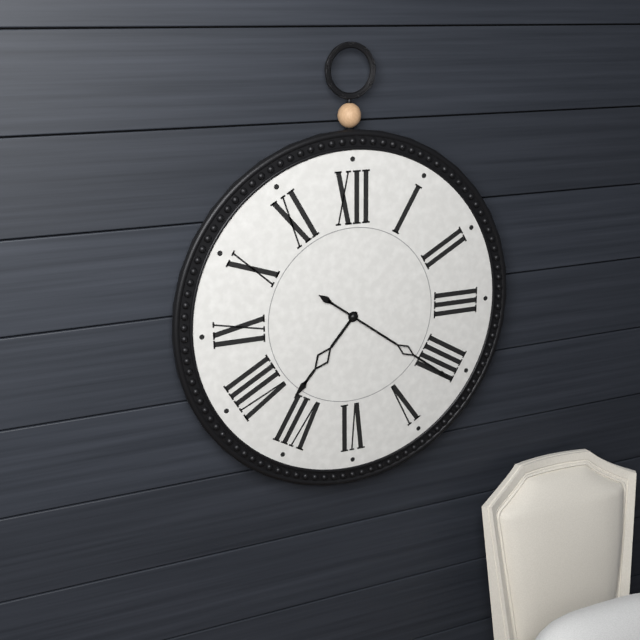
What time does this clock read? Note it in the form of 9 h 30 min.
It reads 7 h 21 min
